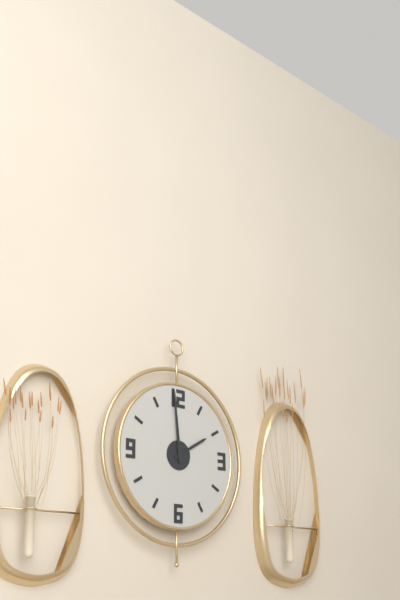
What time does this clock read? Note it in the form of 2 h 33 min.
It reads 1 h 59 min
